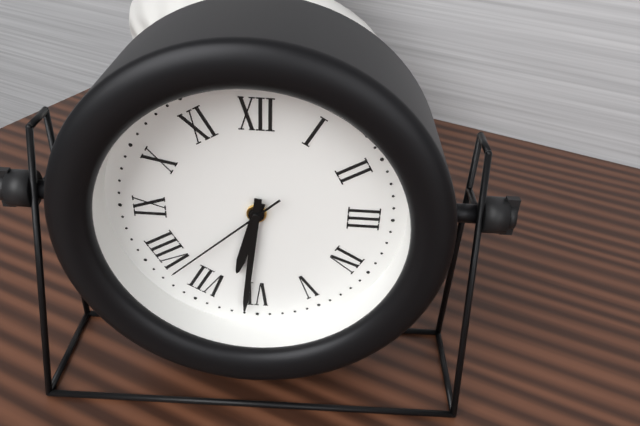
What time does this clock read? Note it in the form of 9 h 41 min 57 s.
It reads 6 h 31 min 38 s
